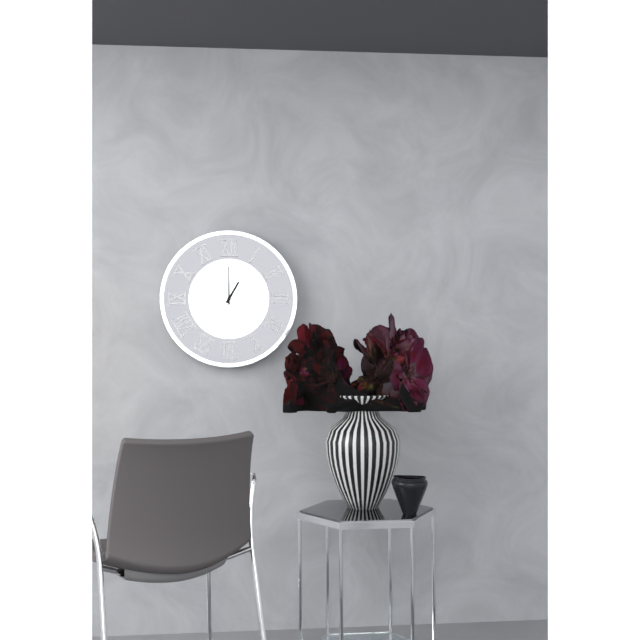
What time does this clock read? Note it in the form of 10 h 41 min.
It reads 1 h 00 min
